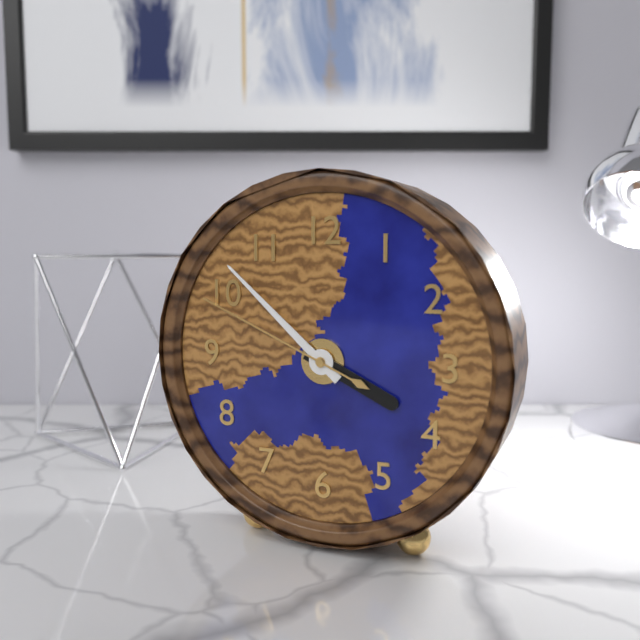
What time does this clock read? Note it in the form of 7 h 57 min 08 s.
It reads 3 h 52 min 49 s
